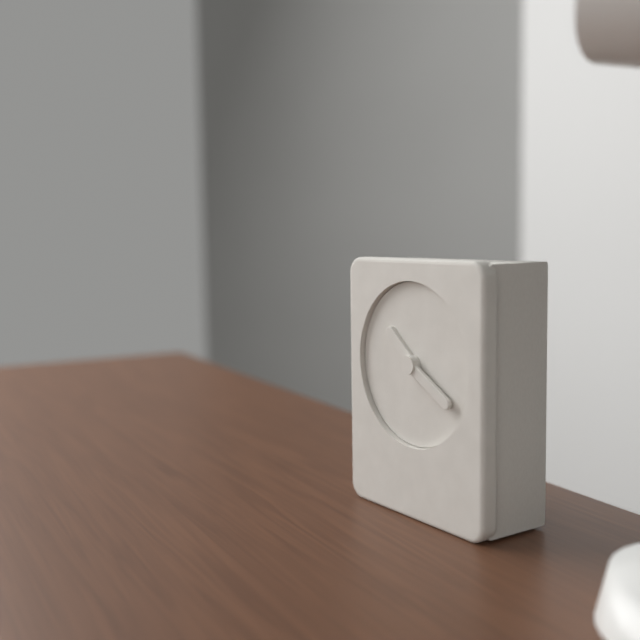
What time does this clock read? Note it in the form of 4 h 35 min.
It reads 10 h 20 min
